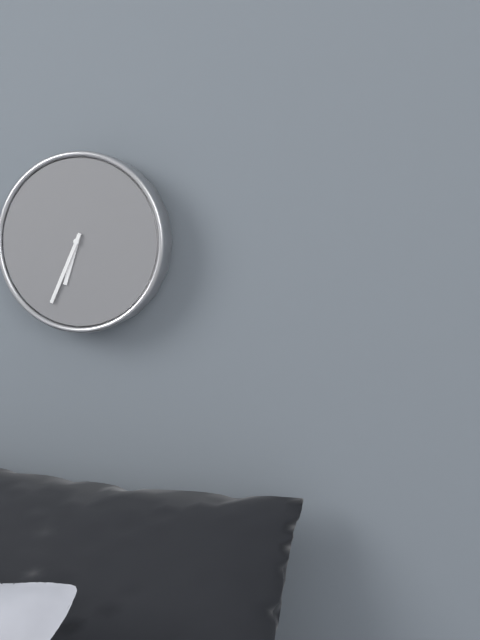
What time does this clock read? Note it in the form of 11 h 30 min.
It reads 6 h 34 min
